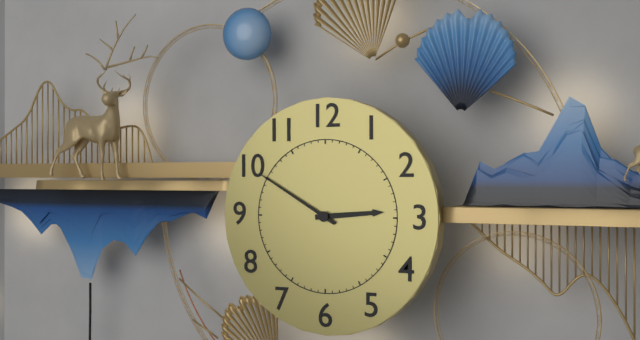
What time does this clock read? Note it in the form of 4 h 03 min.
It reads 2 h 50 min
